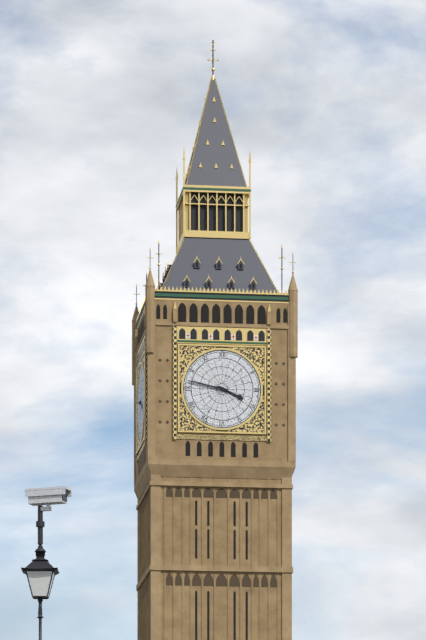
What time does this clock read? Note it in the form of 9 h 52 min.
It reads 3 h 47 min
